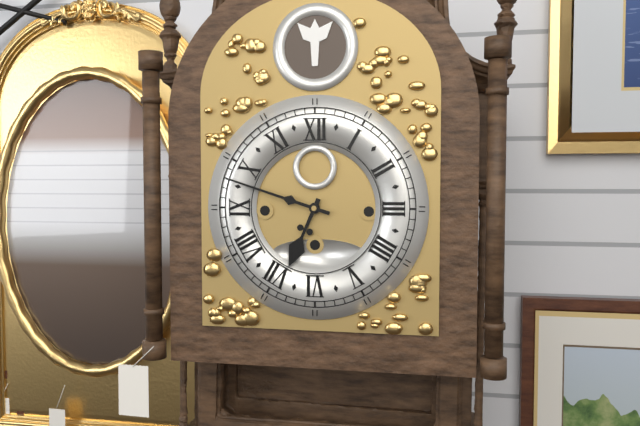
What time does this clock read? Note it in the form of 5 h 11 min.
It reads 6 h 48 min
